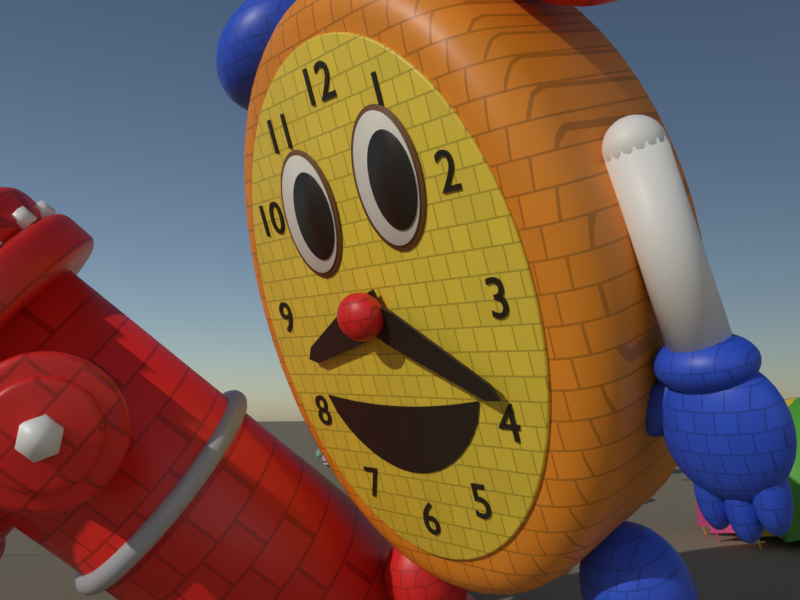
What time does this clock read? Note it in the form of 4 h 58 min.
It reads 8 h 20 min
